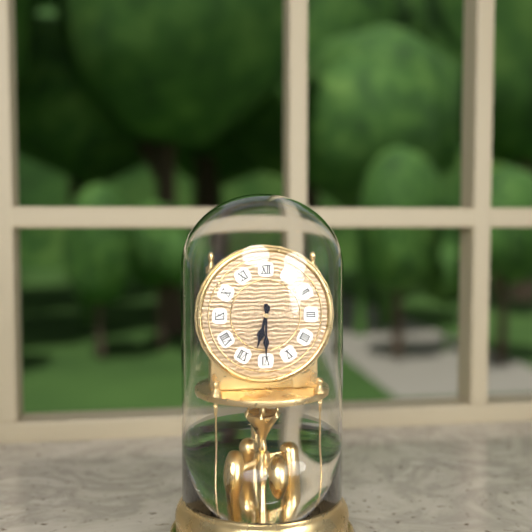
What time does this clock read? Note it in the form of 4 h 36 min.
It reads 6 h 30 min
